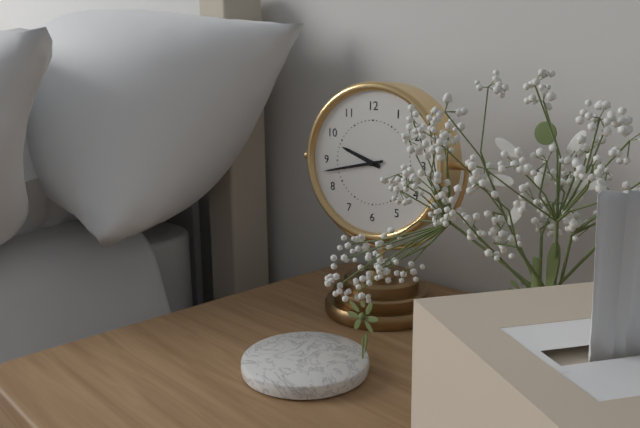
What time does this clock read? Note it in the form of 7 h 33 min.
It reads 9 h 43 min
